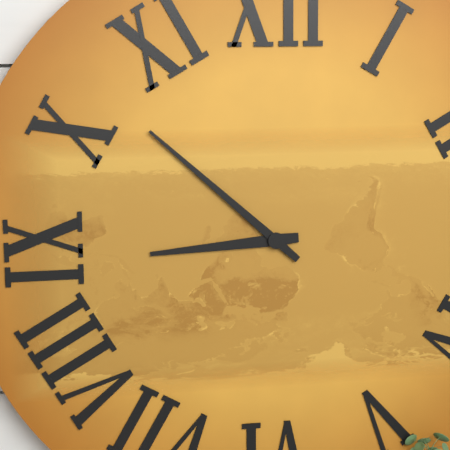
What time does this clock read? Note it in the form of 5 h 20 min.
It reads 8 h 52 min
